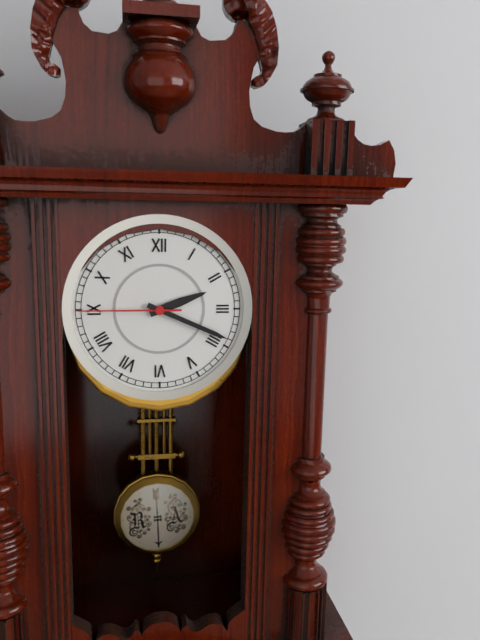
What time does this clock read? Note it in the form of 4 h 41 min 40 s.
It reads 2 h 19 min 45 s
